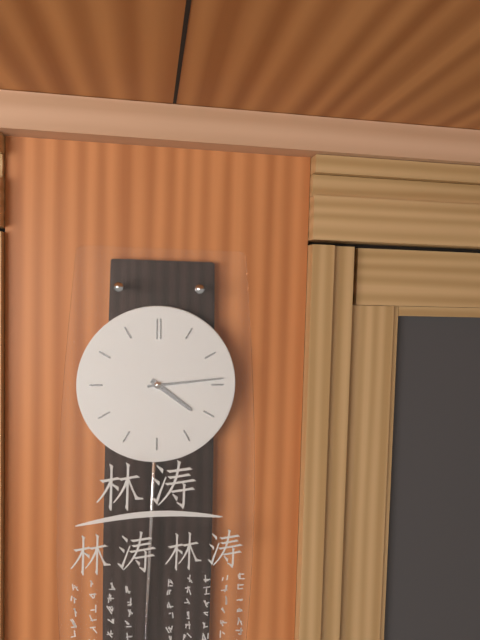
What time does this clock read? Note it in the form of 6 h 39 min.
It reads 4 h 14 min
